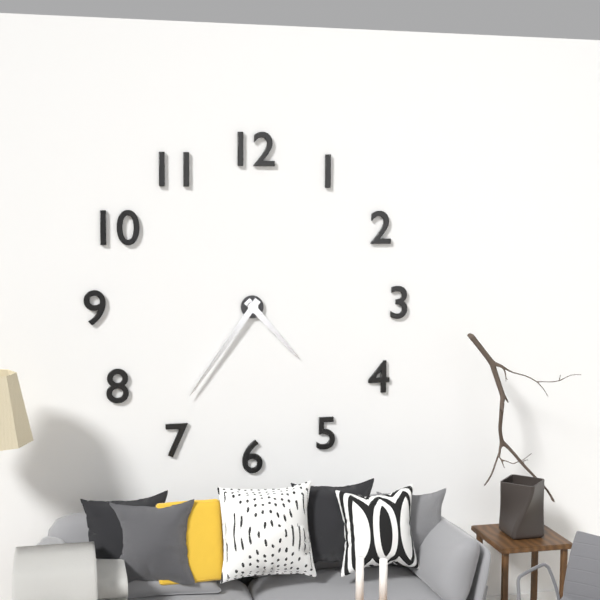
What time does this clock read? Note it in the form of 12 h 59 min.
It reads 4 h 36 min
